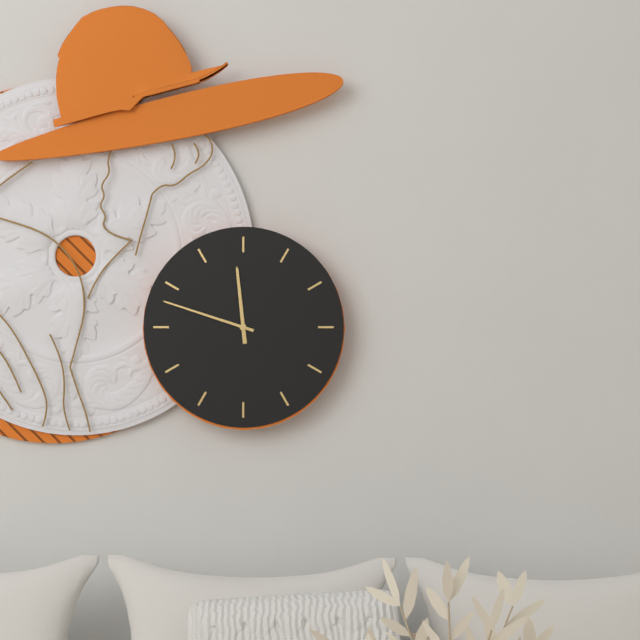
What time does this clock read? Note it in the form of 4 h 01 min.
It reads 11 h 48 min
